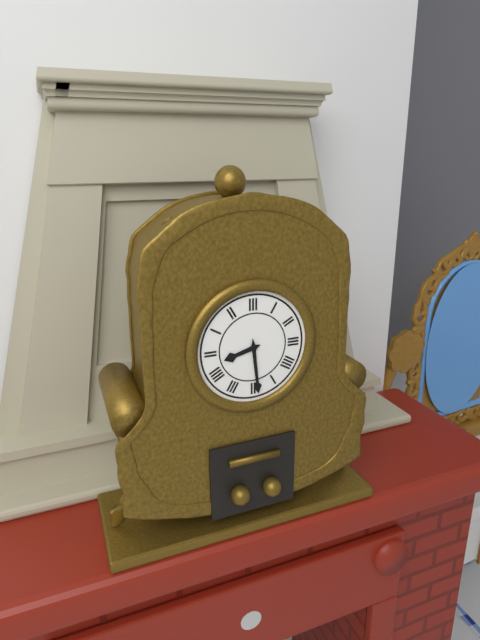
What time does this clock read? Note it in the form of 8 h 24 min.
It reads 8 h 29 min
